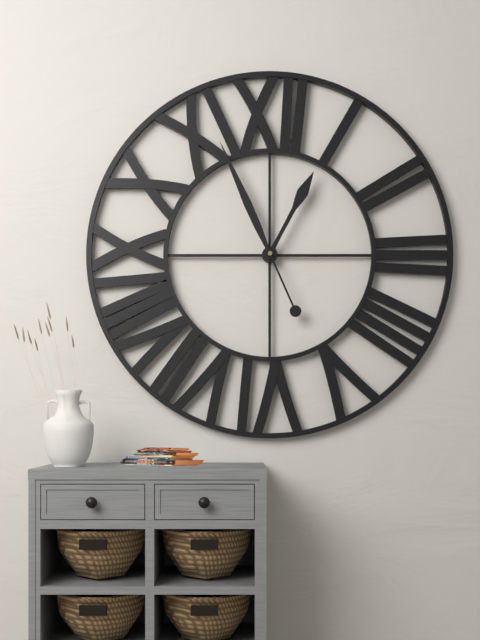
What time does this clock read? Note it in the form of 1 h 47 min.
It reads 12 h 56 min
